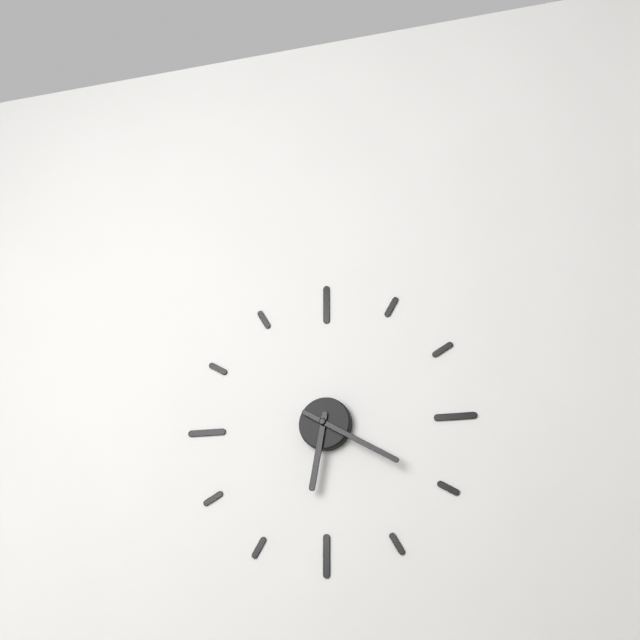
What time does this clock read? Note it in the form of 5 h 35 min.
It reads 6 h 20 min
